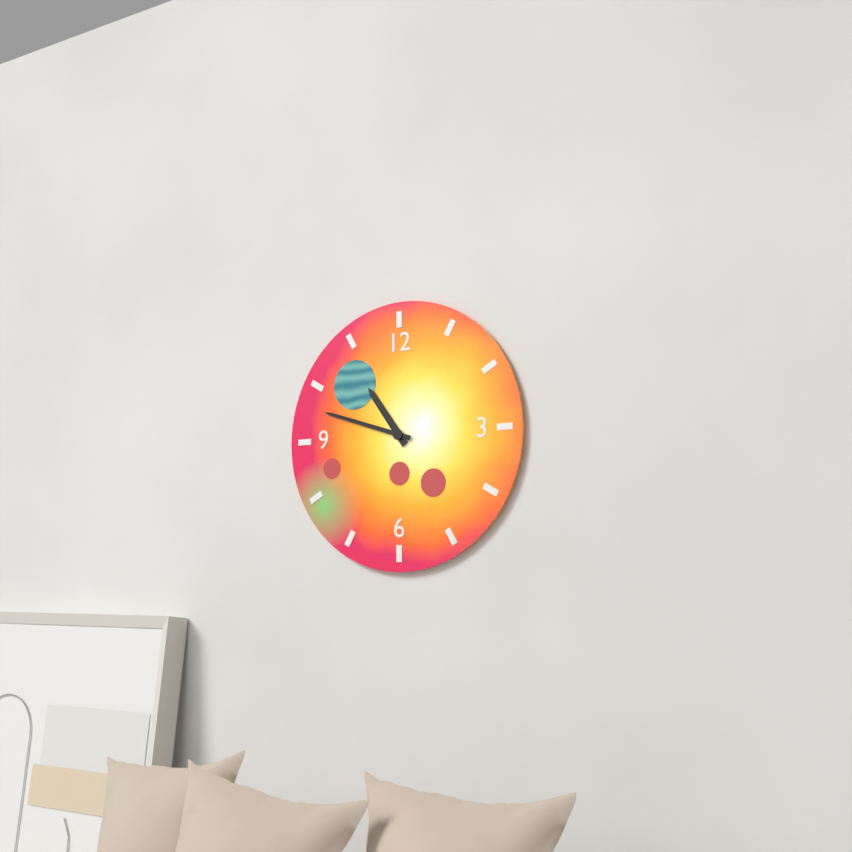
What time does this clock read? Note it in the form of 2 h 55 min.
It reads 10 h 48 min
